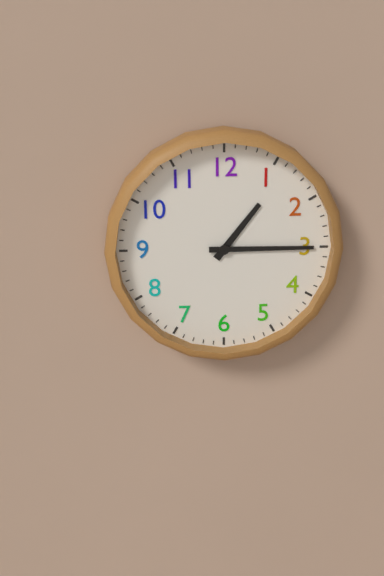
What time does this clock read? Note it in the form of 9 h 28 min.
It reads 1 h 15 min
